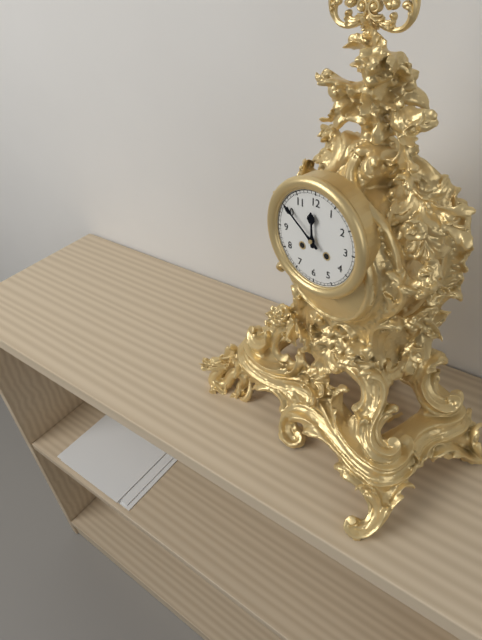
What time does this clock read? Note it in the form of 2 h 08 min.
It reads 11 h 51 min
